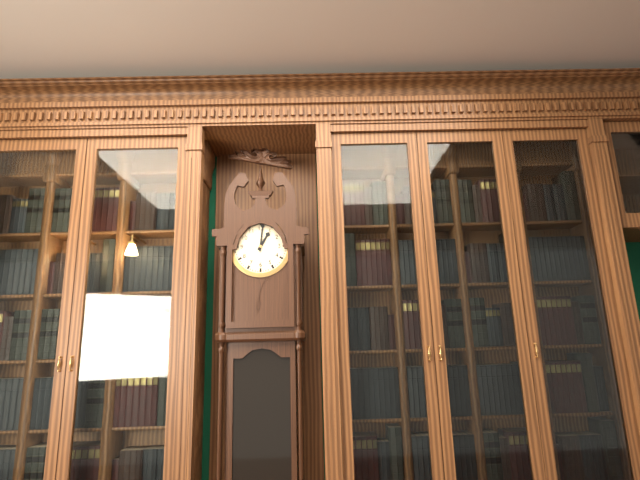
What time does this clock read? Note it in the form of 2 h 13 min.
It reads 1 h 01 min
